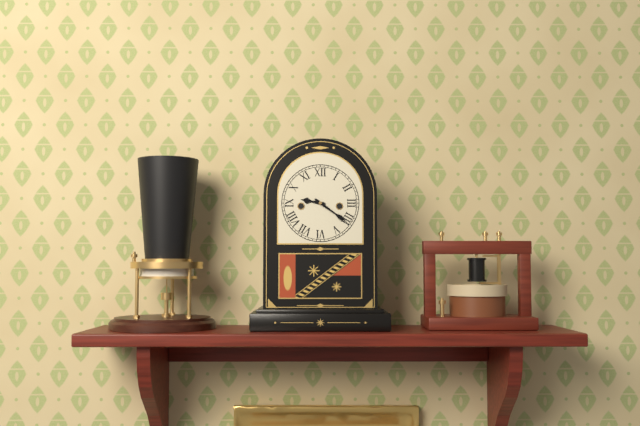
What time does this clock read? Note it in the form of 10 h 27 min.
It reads 9 h 21 min
